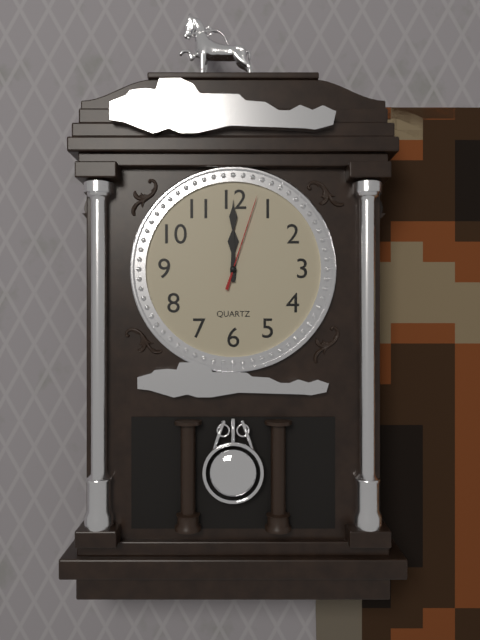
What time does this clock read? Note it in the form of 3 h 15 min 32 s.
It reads 12 h 00 min 03 s
